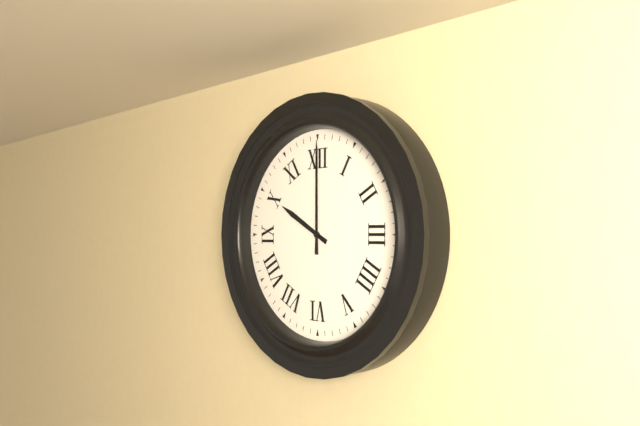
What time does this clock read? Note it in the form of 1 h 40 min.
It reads 10 h 00 min
